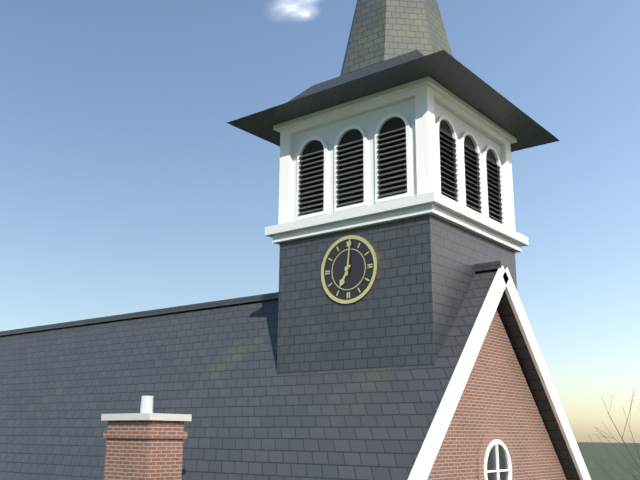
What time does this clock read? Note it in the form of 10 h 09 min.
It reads 7 h 01 min
